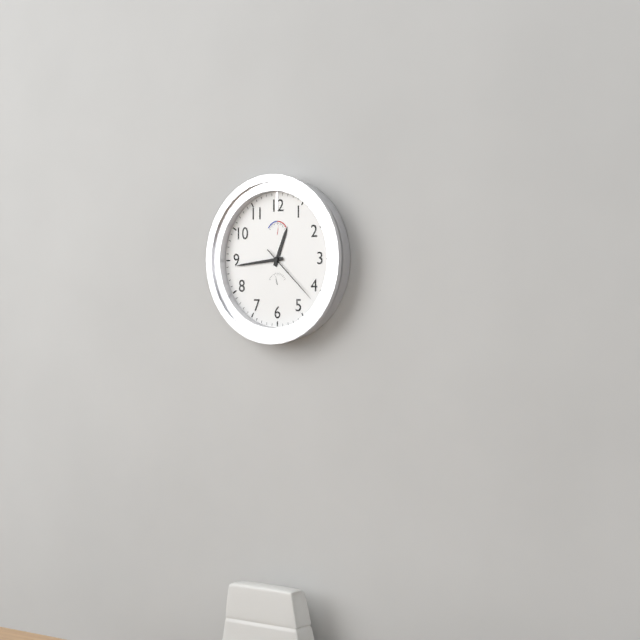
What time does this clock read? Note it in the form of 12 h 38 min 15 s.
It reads 12 h 44 min 22 s
